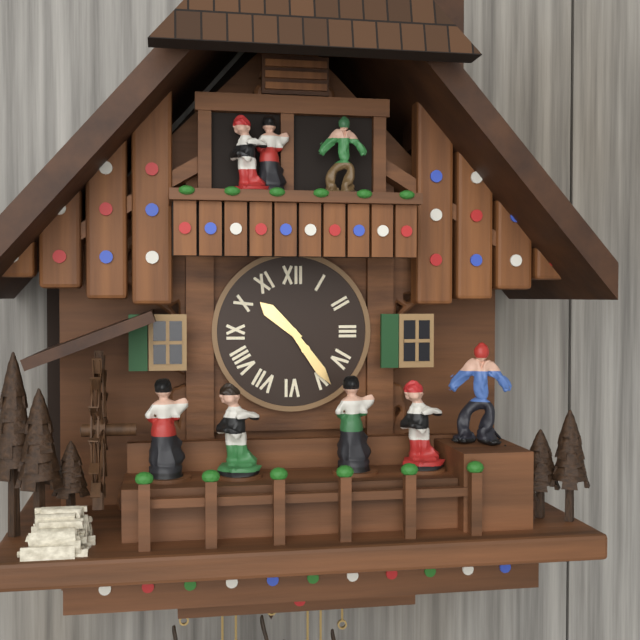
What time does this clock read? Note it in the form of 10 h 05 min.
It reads 10 h 24 min
